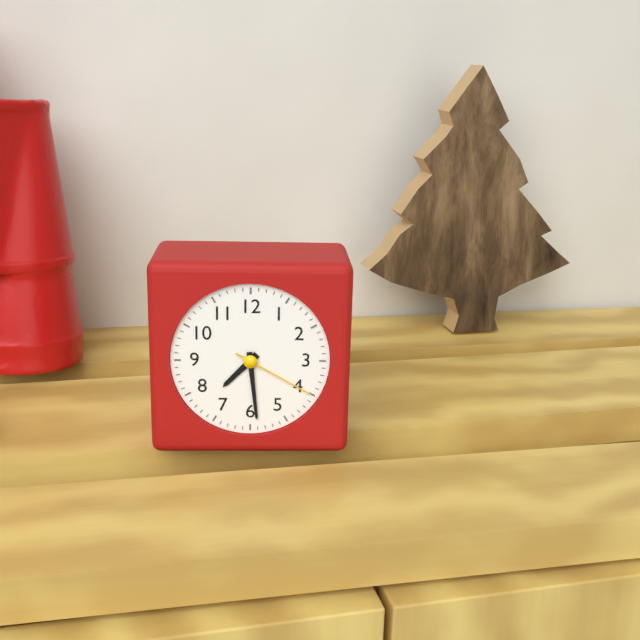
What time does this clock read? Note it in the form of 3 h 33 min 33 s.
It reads 7 h 29 min 20 s
